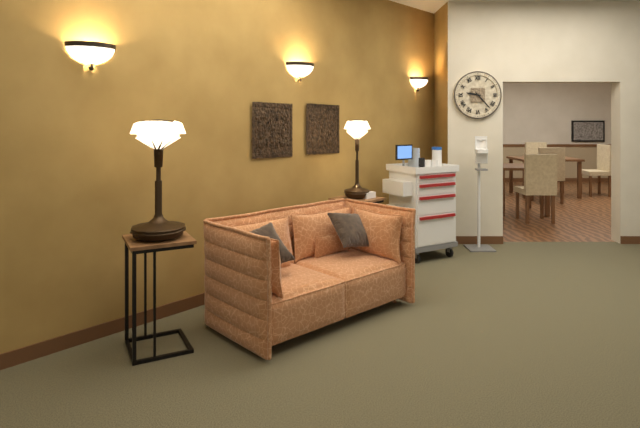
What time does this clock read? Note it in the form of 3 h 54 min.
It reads 9 h 23 min
